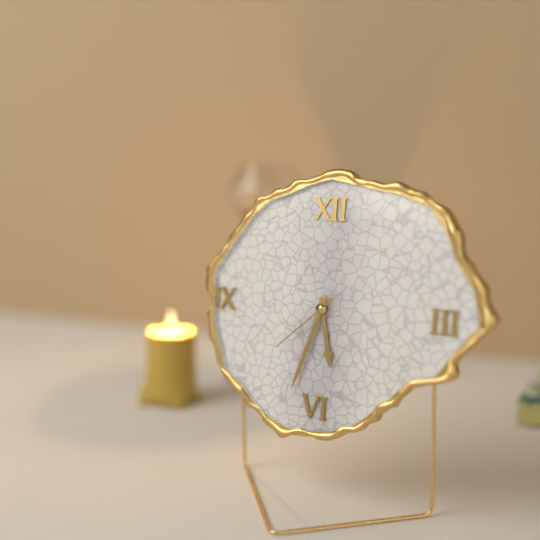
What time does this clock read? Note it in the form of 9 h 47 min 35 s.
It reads 5 h 33 min 38 s
